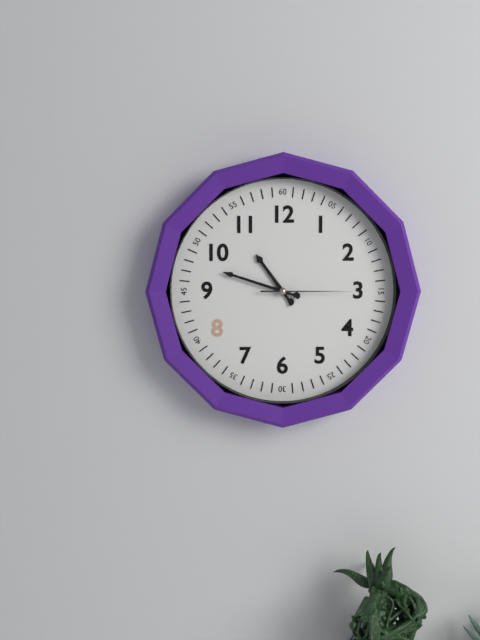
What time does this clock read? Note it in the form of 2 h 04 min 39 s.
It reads 10 h 48 min 15 s
